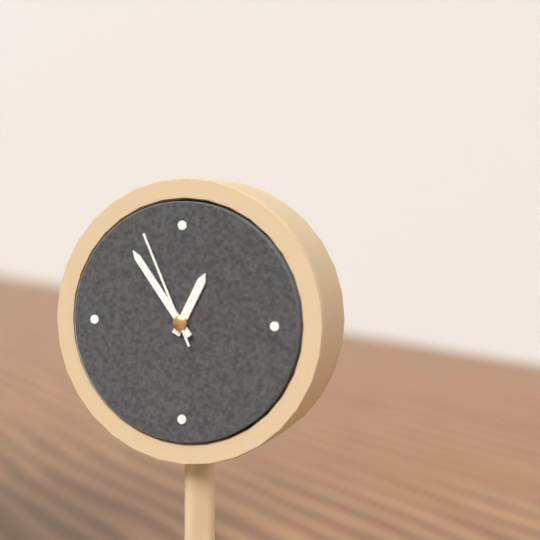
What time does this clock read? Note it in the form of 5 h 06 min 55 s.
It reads 12 h 54 min 56 s
